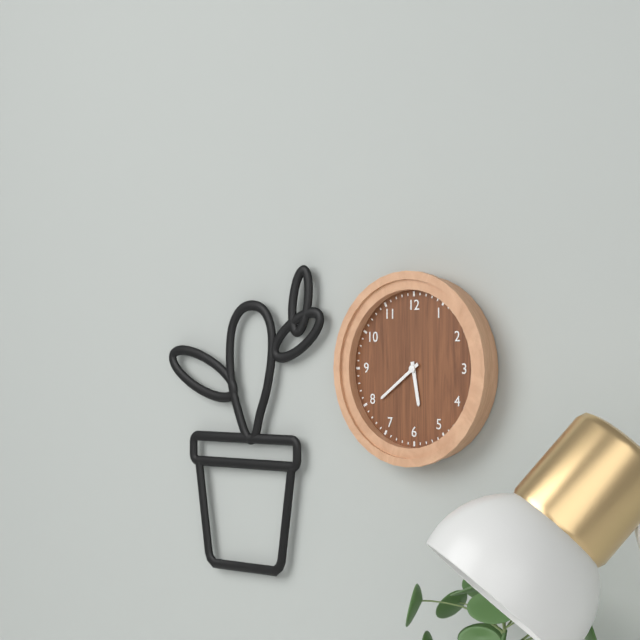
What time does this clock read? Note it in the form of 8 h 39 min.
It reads 5 h 39 min
